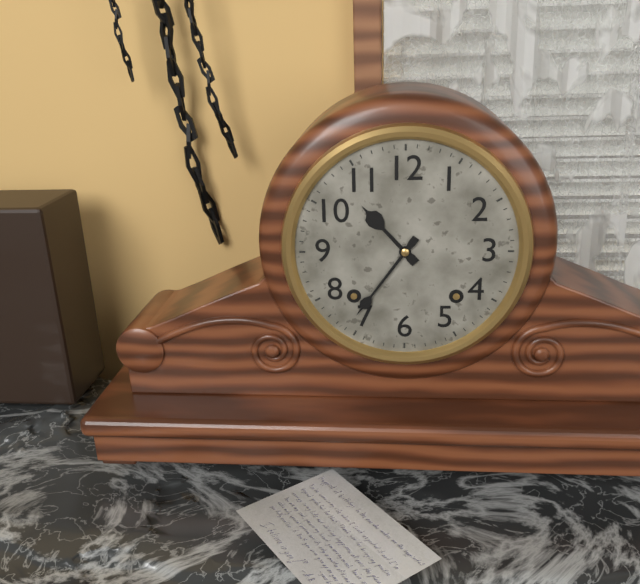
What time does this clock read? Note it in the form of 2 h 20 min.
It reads 10 h 36 min
